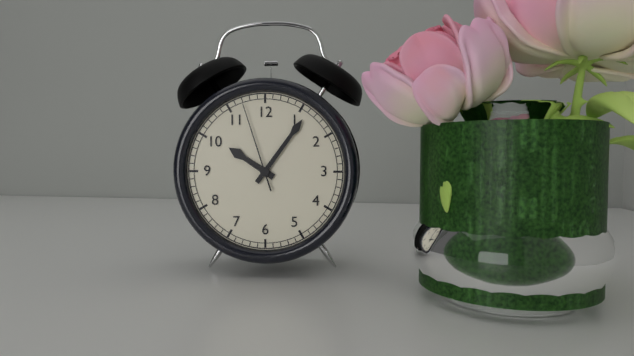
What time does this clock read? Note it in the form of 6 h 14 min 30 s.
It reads 10 h 06 min 57 s
